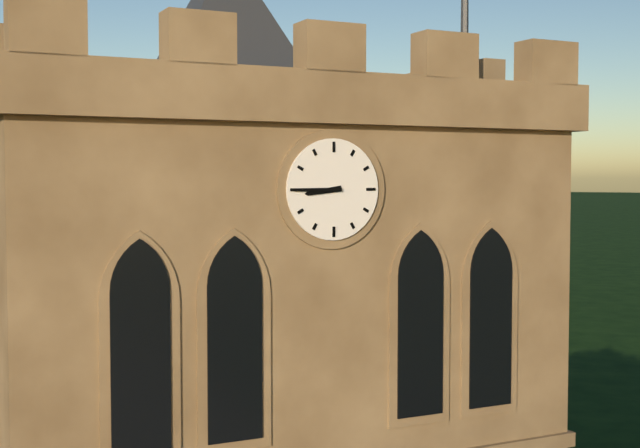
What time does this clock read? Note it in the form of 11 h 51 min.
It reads 8 h 45 min
